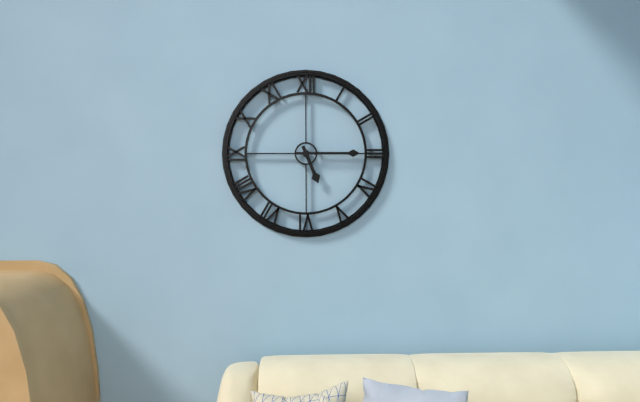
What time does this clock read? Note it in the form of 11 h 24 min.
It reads 5 h 15 min
